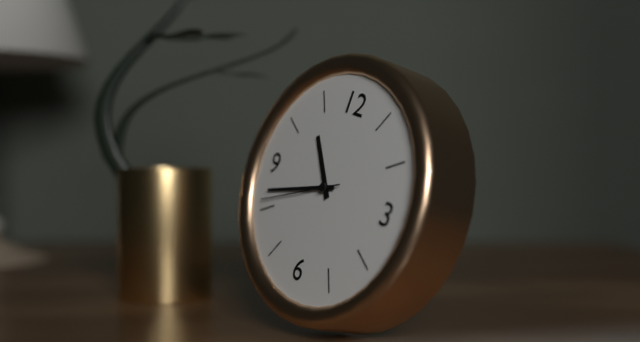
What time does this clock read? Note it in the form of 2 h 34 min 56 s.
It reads 10 h 42 min 41 s
